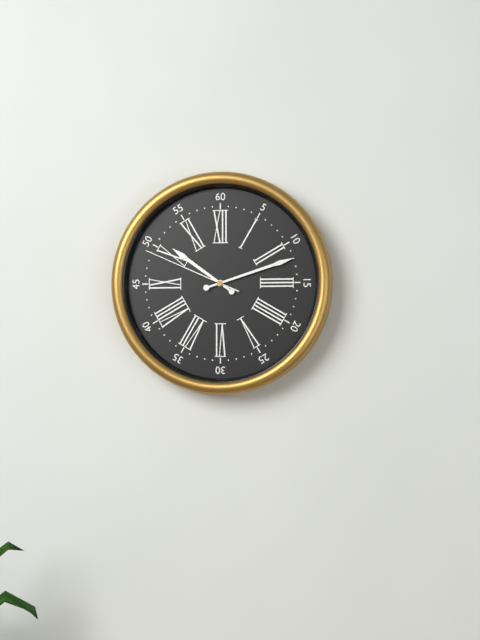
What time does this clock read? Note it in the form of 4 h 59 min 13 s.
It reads 10 h 12 min 49 s
